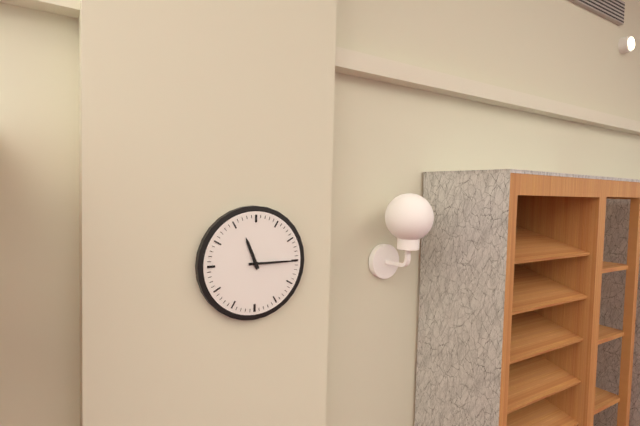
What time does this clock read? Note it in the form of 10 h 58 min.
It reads 11 h 15 min
